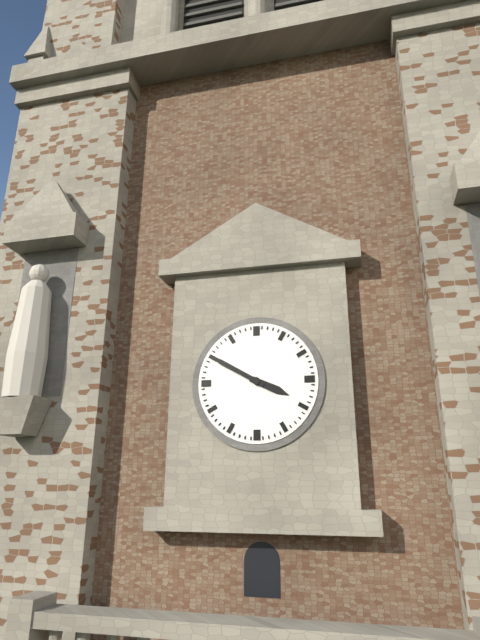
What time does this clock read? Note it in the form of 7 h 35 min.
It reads 3 h 50 min
